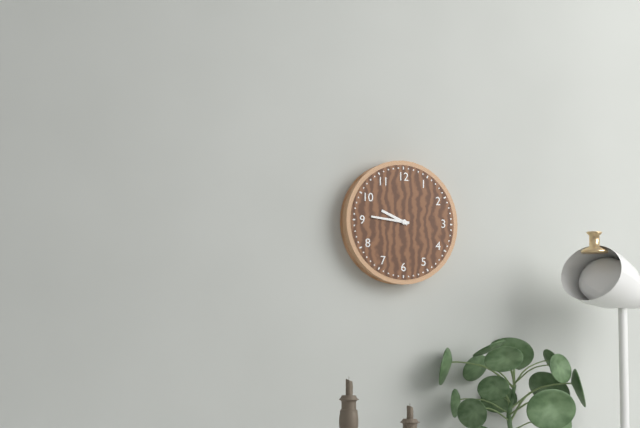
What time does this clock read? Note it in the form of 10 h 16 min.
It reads 9 h 46 min
